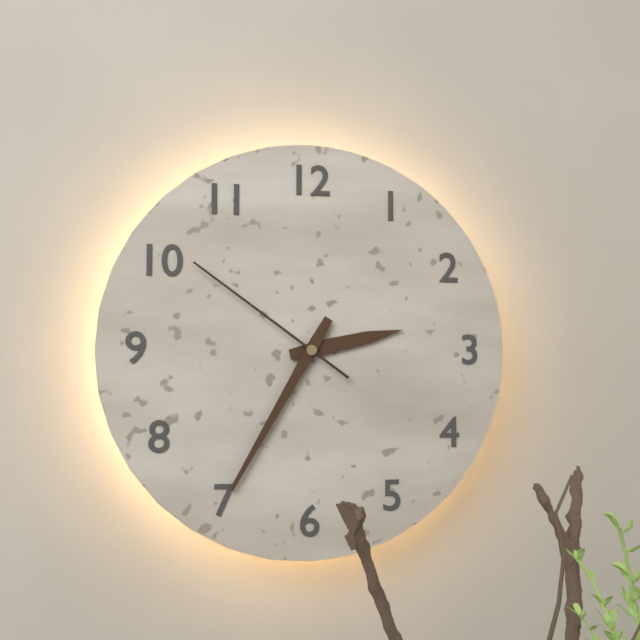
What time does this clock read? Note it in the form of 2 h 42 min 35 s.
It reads 2 h 35 min 51 s
